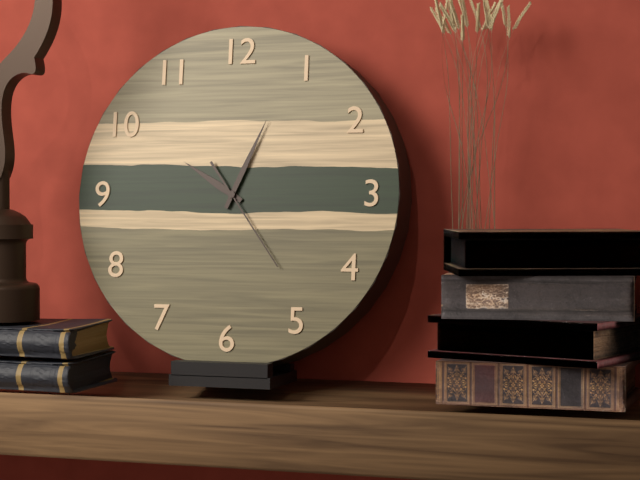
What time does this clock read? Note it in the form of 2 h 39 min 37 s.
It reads 10 h 04 min 24 s
